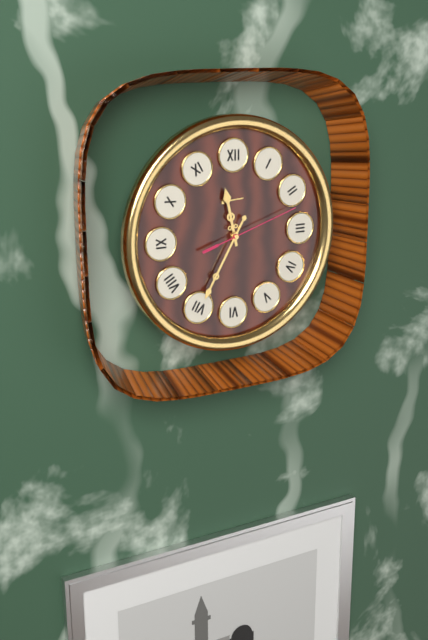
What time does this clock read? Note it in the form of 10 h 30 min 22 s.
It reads 11 h 35 min 12 s
